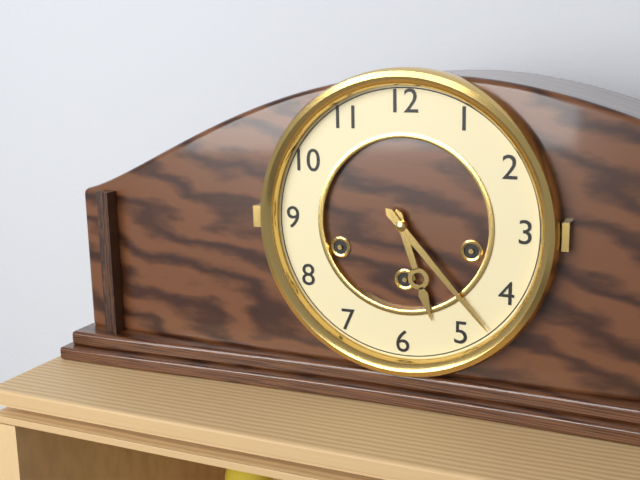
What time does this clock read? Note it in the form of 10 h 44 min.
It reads 5 h 23 min
